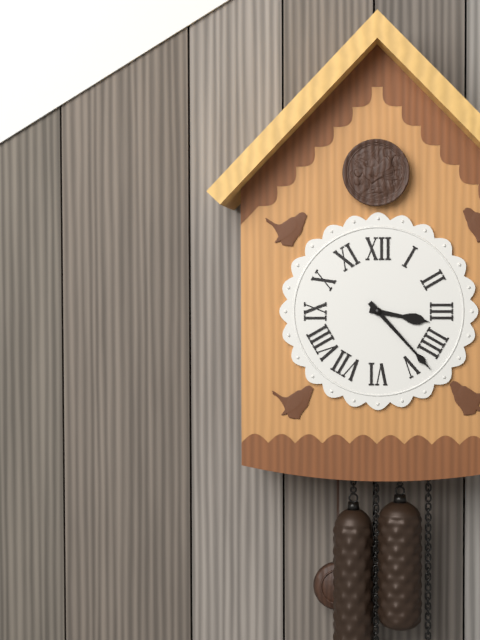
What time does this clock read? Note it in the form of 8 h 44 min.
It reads 3 h 23 min
